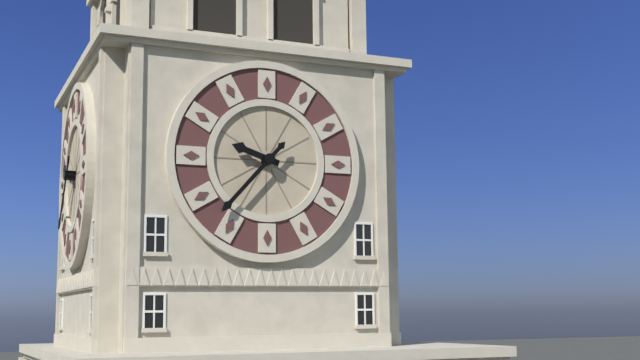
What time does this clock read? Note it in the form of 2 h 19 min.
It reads 9 h 37 min
